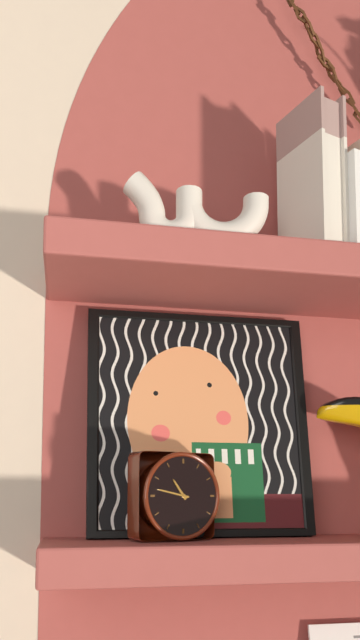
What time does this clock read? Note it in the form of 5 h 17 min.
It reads 10 h 47 min
